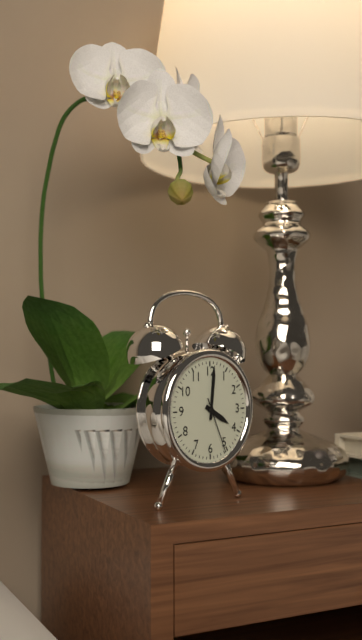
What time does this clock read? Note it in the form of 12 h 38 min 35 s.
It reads 4 h 01 min 26 s
